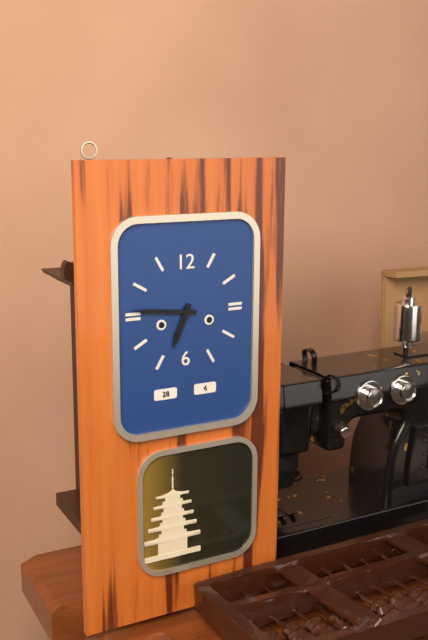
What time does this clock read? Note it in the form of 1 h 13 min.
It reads 6 h 46 min
